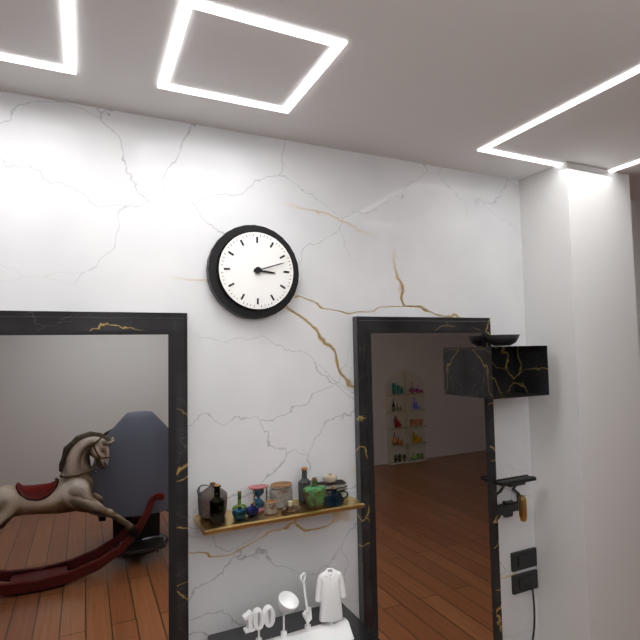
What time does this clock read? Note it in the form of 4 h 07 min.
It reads 3 h 12 min
